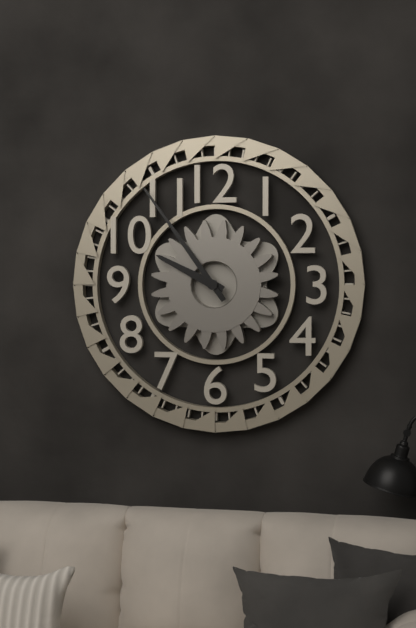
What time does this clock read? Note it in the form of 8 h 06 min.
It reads 9 h 54 min
